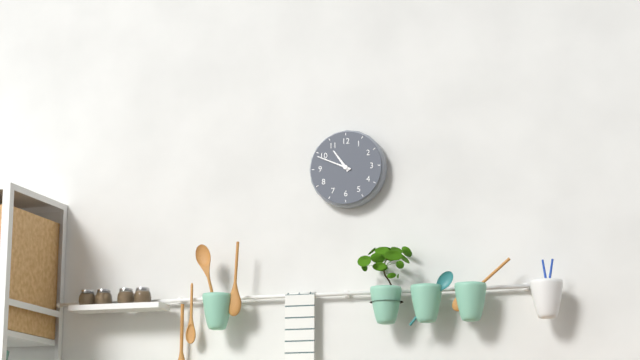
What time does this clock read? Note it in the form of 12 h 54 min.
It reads 10 h 49 min
